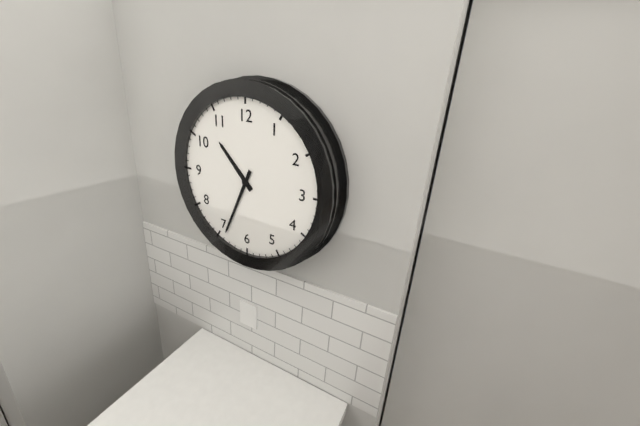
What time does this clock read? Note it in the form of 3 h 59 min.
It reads 10 h 34 min
